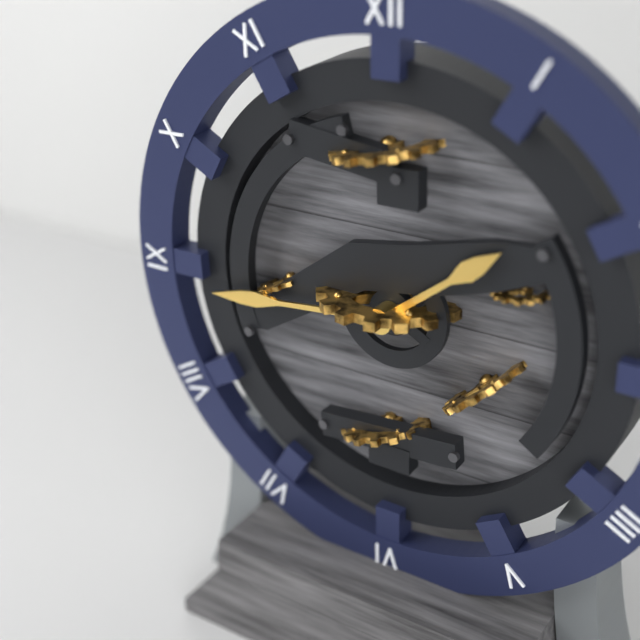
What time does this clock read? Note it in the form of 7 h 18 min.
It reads 1 h 44 min
